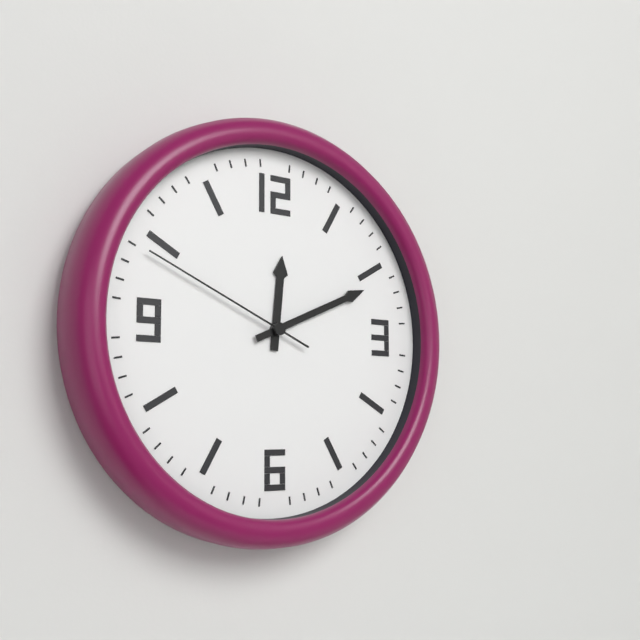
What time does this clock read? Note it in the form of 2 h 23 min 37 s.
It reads 12 h 11 min 49 s
